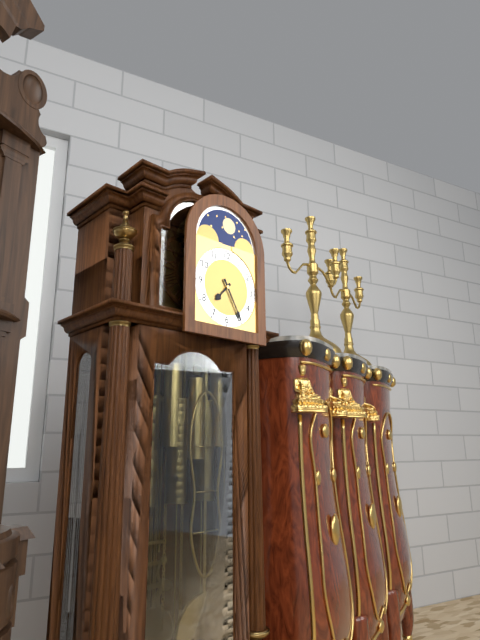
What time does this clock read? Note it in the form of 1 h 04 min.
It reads 7 h 25 min
